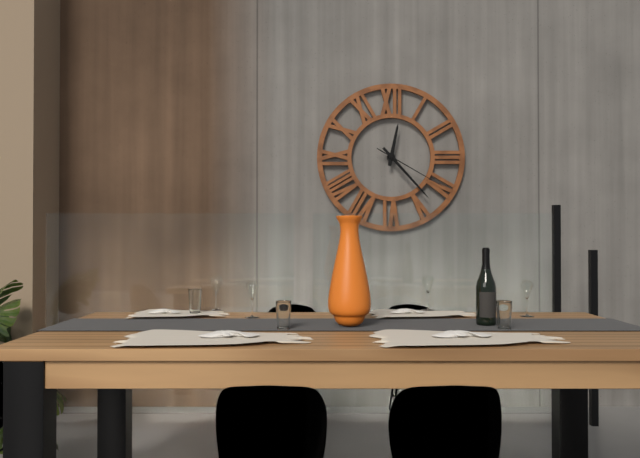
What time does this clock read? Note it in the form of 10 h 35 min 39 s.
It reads 12 h 23 min 20 s
